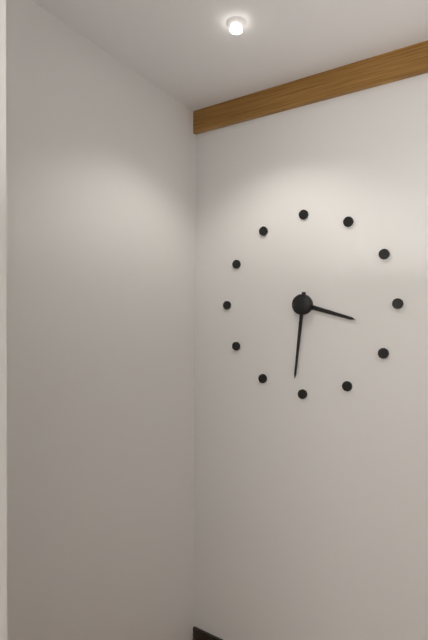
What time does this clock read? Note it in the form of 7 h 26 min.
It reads 3 h 31 min
